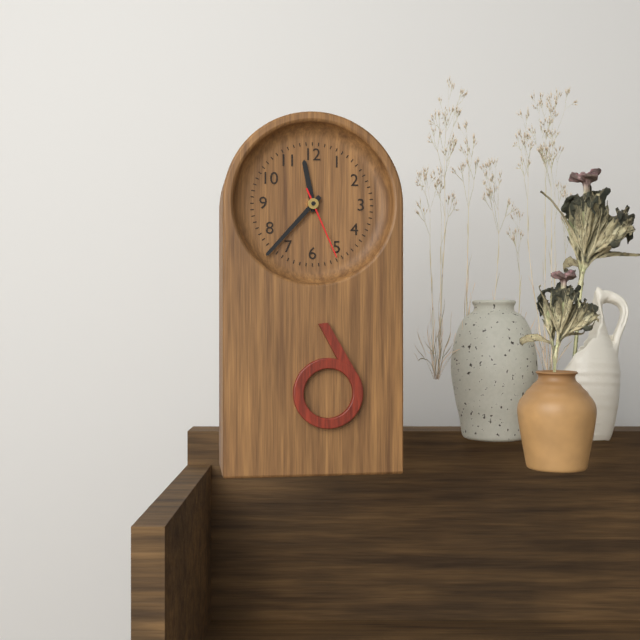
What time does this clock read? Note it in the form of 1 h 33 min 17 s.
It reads 11 h 37 min 26 s
